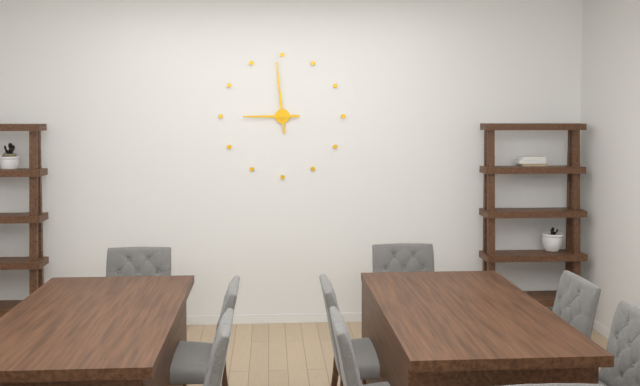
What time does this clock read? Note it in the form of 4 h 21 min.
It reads 8 h 59 min
